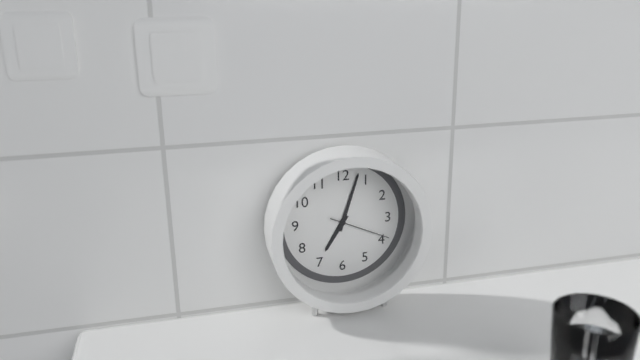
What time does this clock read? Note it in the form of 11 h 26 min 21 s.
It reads 7 h 03 min 19 s
